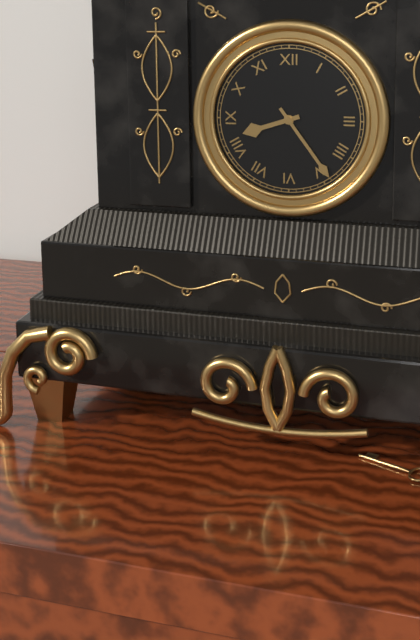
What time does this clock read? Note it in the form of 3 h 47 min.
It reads 8 h 24 min
